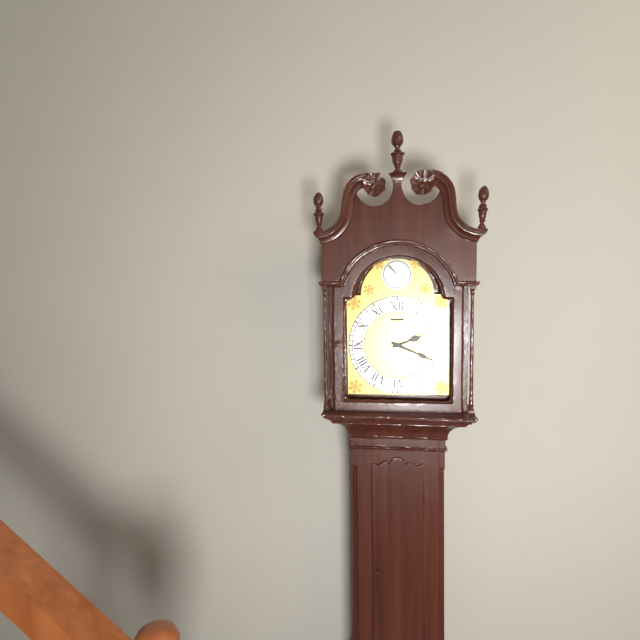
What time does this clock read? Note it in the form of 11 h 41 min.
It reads 2 h 19 min
